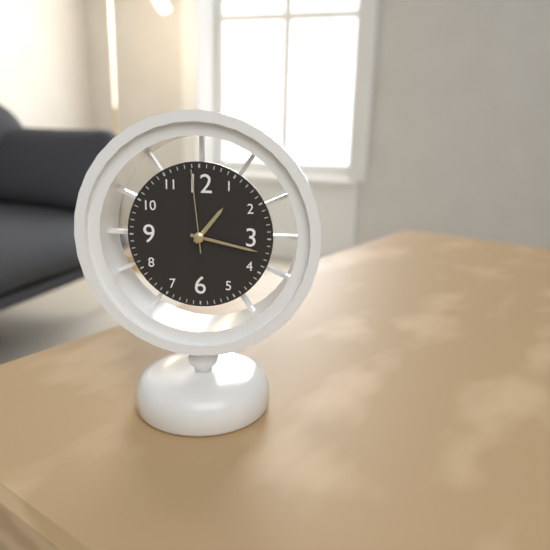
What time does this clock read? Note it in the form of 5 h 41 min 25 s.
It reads 1 h 17 min 59 s
